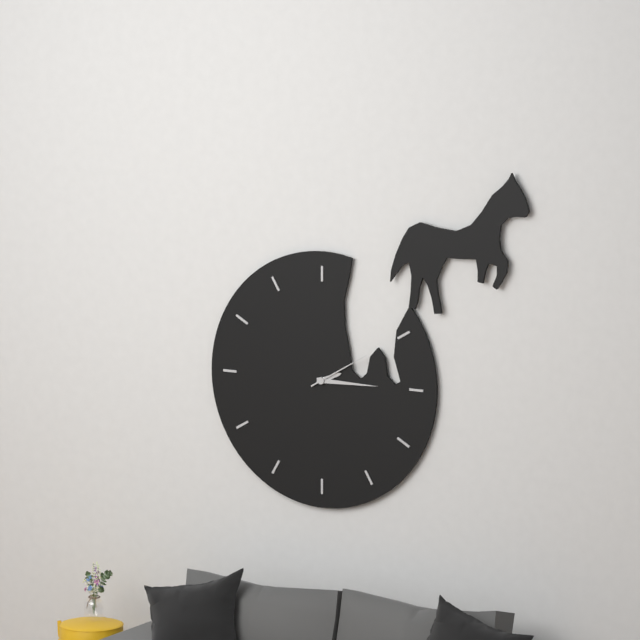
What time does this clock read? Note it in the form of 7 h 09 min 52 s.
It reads 2 h 15 min 10 s
